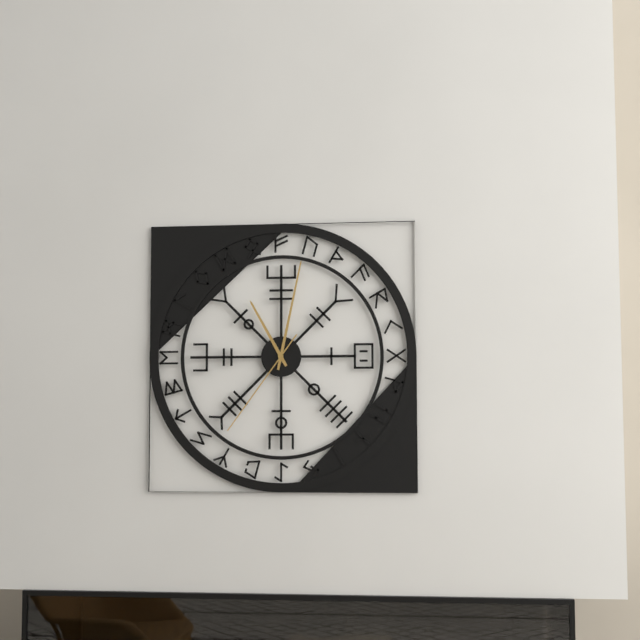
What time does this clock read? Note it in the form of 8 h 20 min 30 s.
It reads 11 h 02 min 36 s
